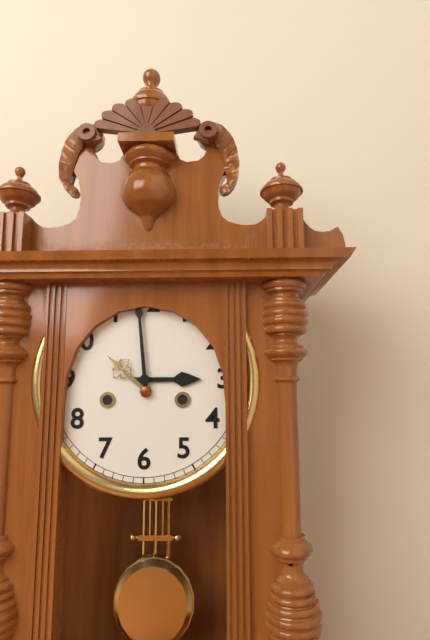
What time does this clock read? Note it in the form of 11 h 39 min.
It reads 2 h 59 min
